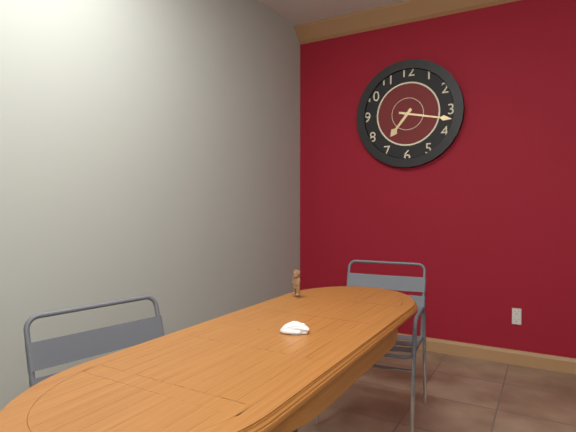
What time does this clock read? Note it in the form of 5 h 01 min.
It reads 7 h 17 min
